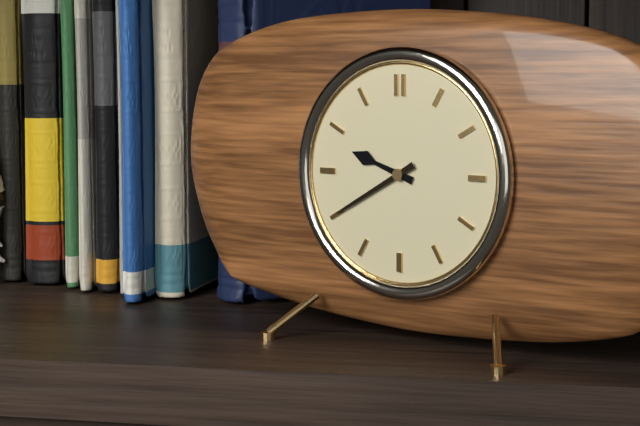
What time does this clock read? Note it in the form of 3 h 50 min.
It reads 9 h 40 min
